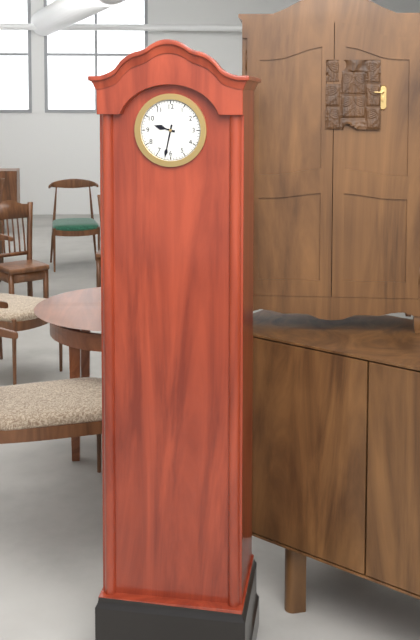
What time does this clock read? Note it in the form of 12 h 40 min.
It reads 9 h 32 min
